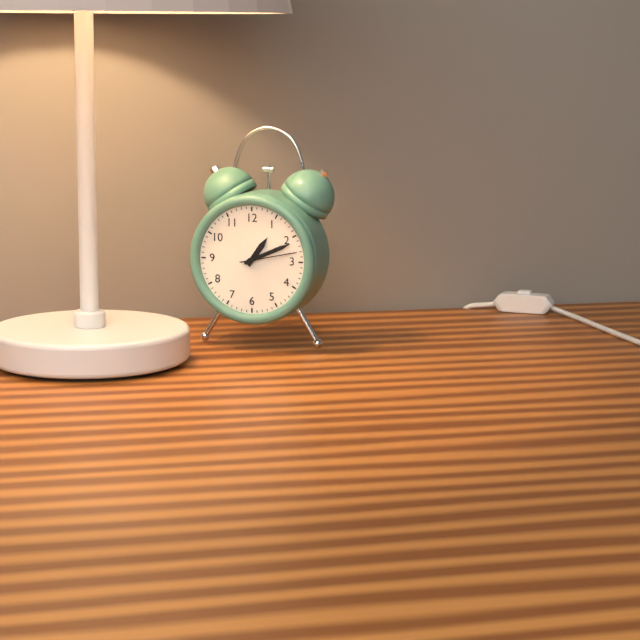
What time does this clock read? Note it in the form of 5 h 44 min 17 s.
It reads 1 h 11 min 13 s
